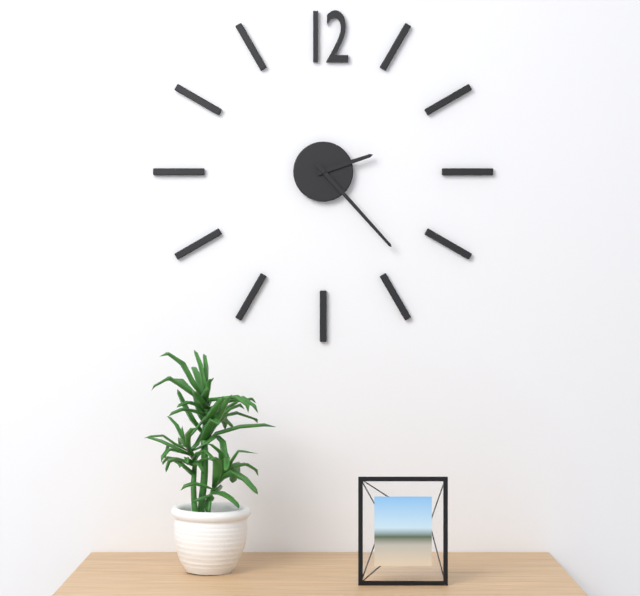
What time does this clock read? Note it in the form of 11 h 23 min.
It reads 2 h 23 min
